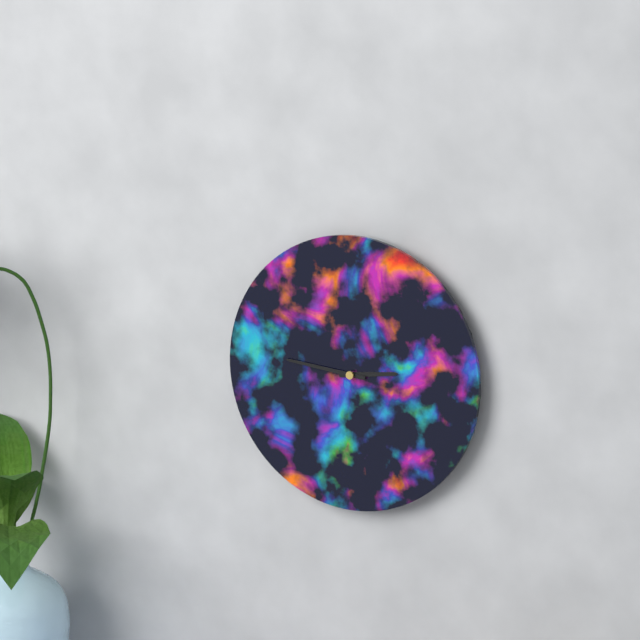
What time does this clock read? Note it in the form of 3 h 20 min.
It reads 2 h 46 min
